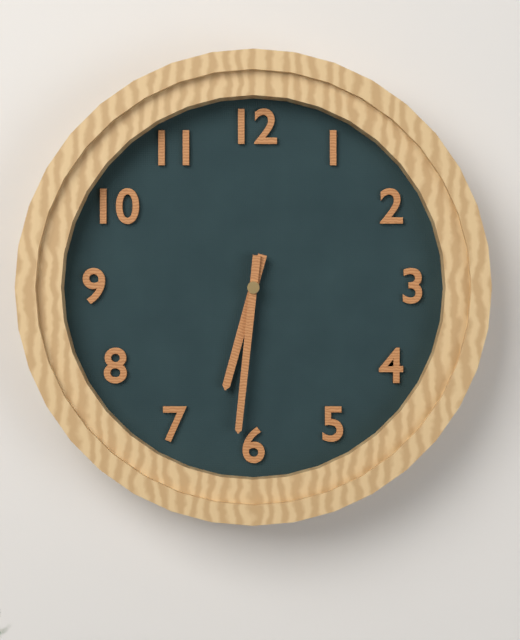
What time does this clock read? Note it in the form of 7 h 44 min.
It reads 6 h 31 min
